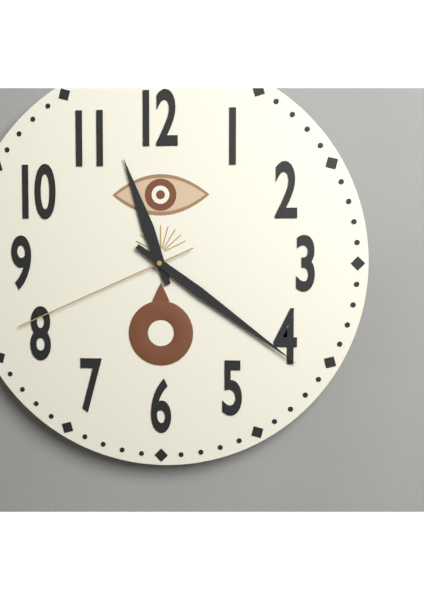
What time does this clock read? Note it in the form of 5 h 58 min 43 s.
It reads 11 h 21 min 41 s
